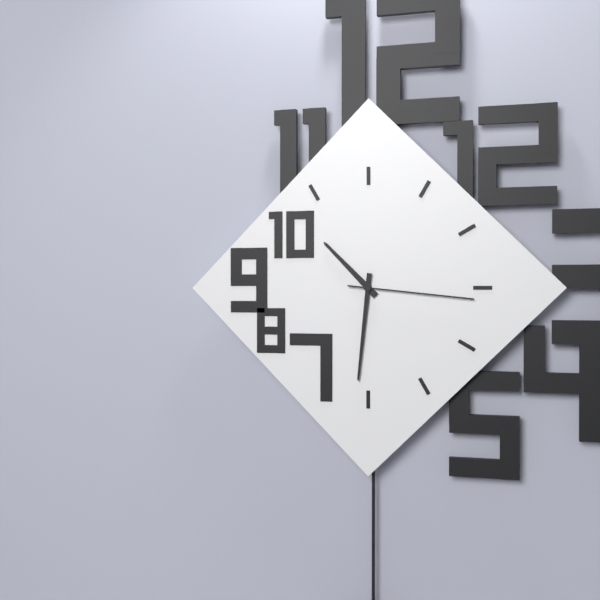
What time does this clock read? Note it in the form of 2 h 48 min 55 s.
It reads 10 h 31 min 16 s
